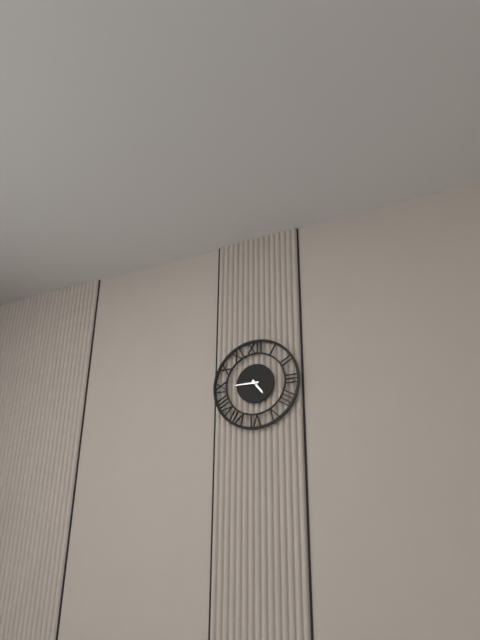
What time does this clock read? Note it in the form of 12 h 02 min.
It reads 4 h 45 min
